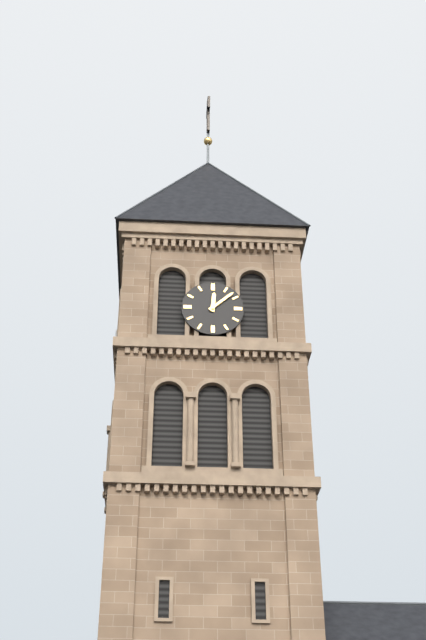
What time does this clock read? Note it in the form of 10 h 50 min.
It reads 12 h 08 min
